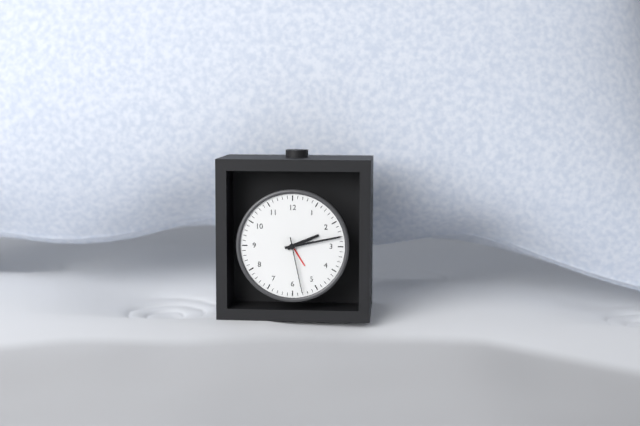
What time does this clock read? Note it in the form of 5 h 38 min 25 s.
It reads 2 h 13 min 28 s
